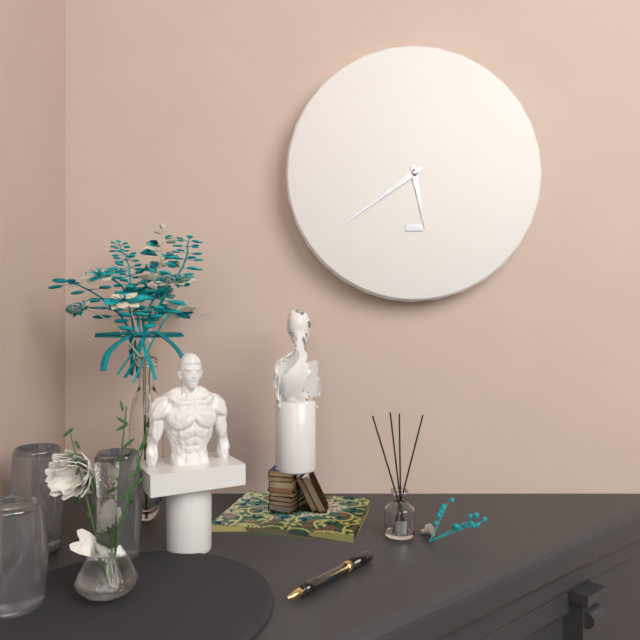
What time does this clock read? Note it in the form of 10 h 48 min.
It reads 5 h 39 min
